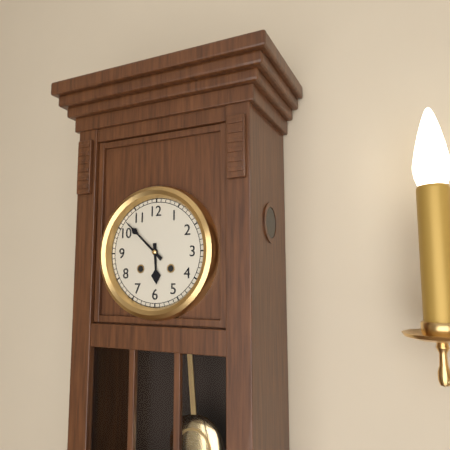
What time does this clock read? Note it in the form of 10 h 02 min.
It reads 5 h 52 min
